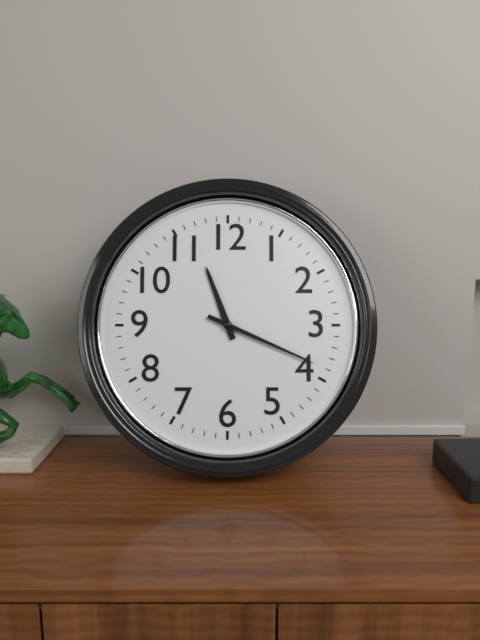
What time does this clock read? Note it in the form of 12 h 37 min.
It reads 11 h 19 min
